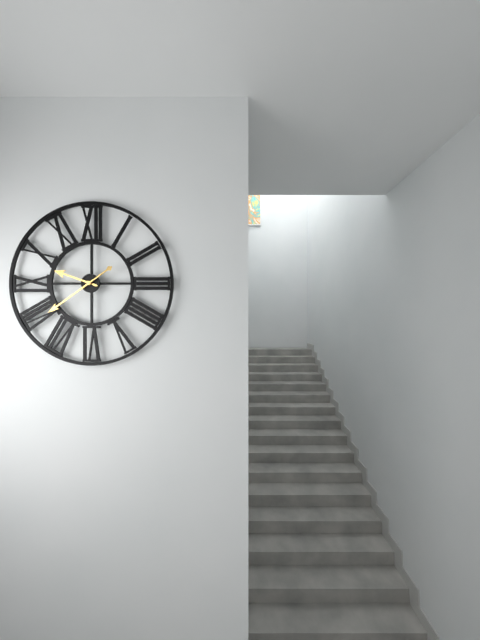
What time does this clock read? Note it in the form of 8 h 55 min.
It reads 9 h 39 min
